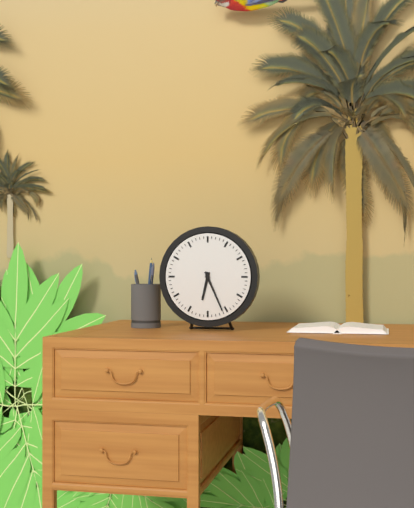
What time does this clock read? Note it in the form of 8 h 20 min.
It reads 6 h 26 min
